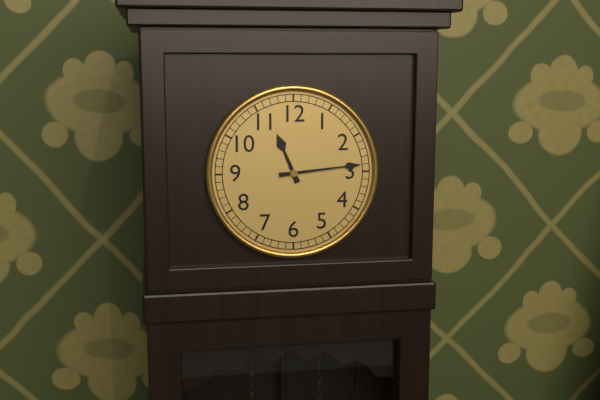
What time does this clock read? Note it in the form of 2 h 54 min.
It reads 11 h 14 min
